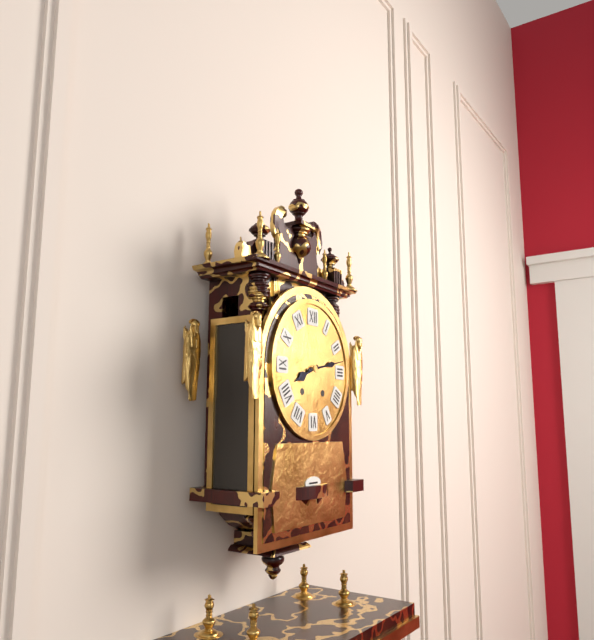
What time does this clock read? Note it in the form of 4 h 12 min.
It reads 8 h 13 min
